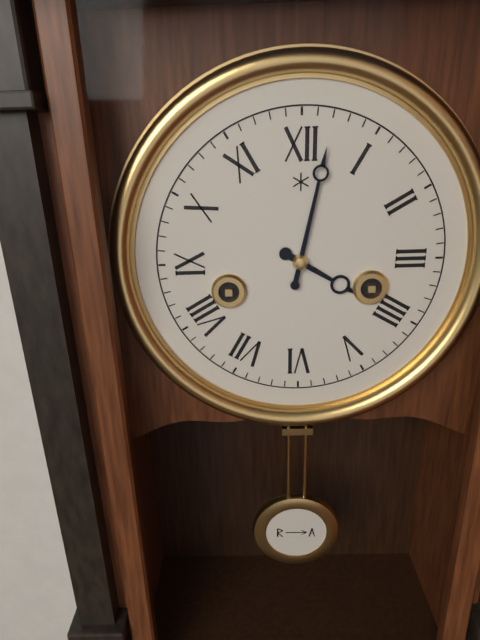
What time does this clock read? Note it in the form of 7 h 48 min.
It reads 4 h 02 min
